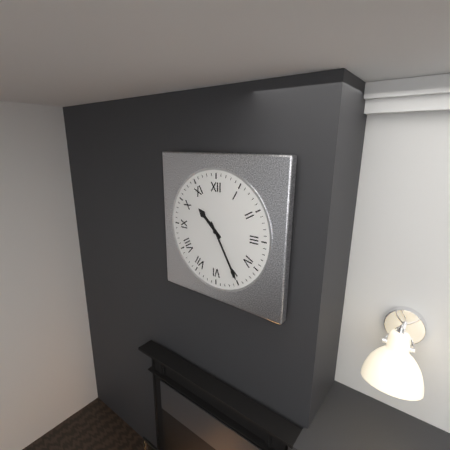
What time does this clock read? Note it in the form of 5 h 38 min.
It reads 10 h 25 min
